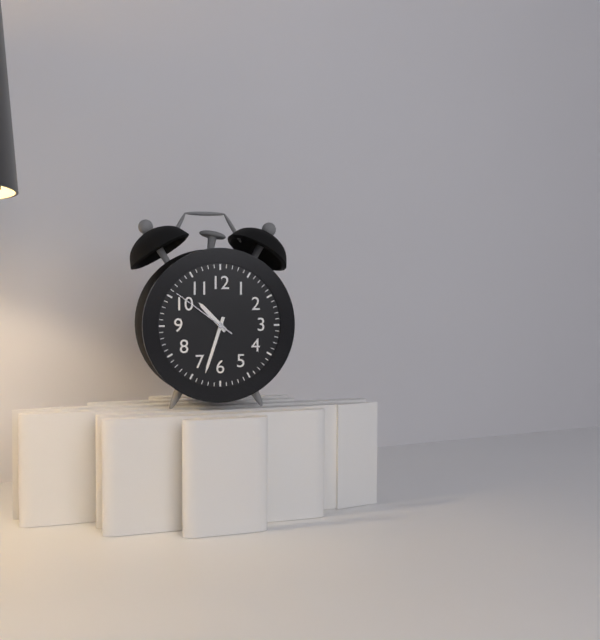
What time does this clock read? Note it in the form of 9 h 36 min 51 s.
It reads 10 h 33 min 51 s
